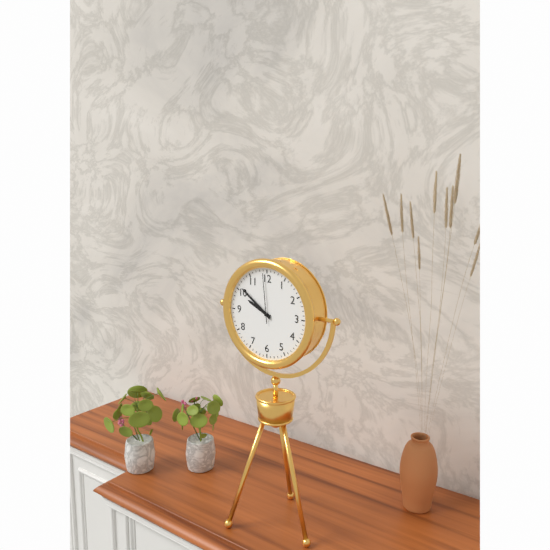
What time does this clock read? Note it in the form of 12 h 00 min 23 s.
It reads 9 h 51 min 59 s
